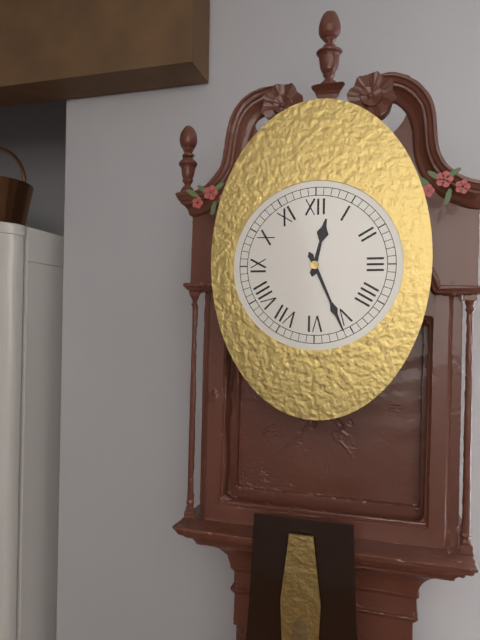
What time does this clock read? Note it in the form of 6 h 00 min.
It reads 12 h 26 min
